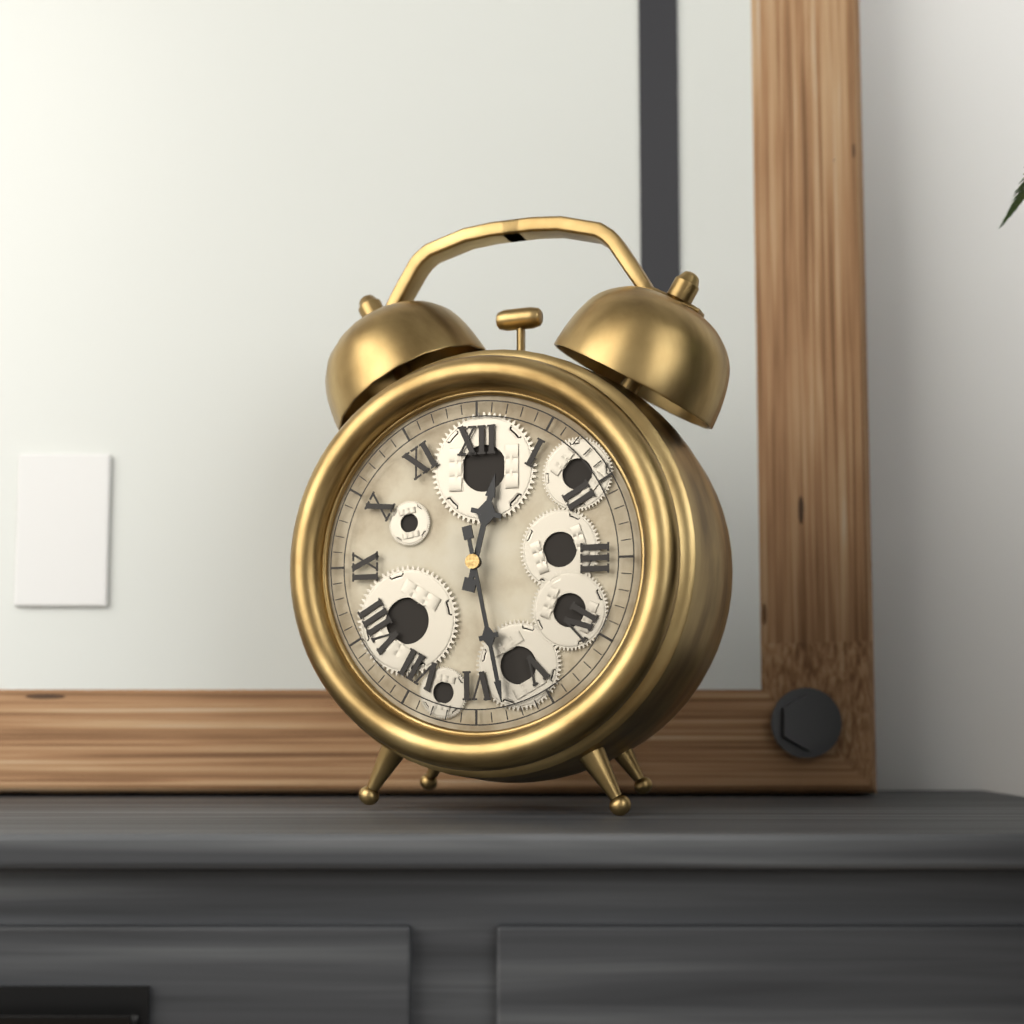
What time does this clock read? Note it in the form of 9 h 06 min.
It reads 12 h 28 min
